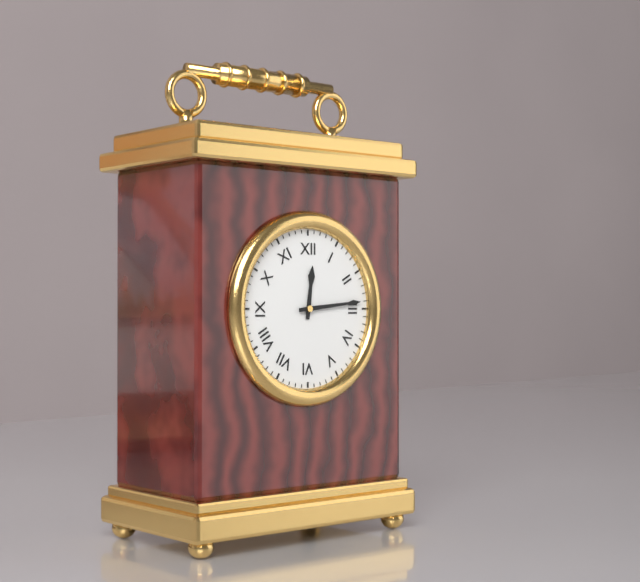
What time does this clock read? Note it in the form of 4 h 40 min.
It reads 12 h 14 min
